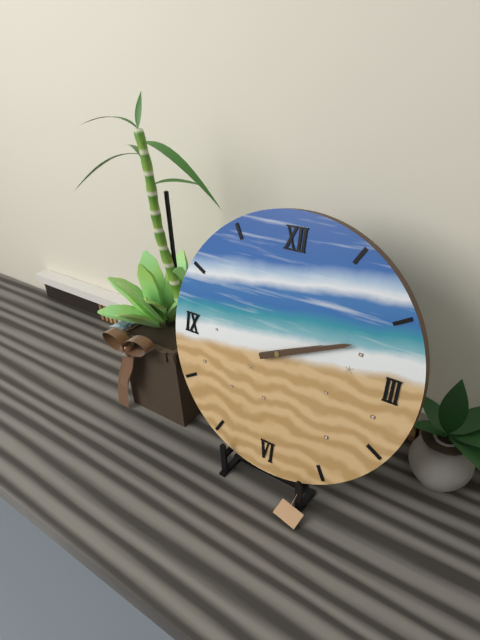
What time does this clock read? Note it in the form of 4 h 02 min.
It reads 2 h 11 min
